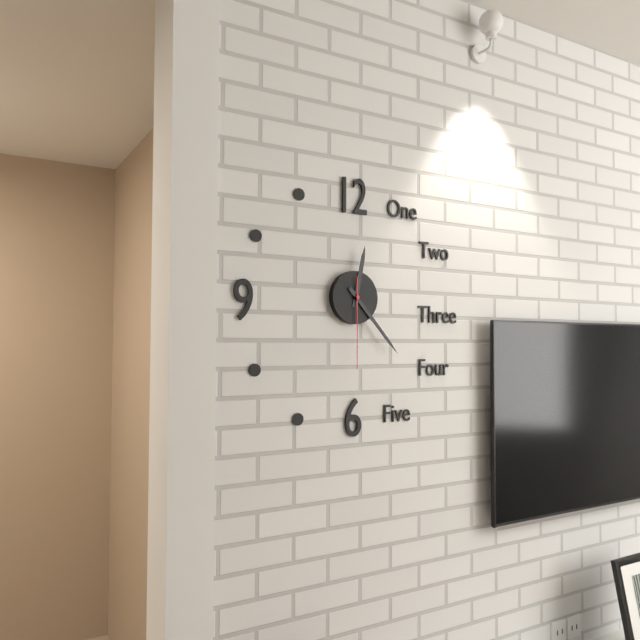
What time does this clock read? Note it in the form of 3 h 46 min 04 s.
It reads 12 h 23 min 30 s
